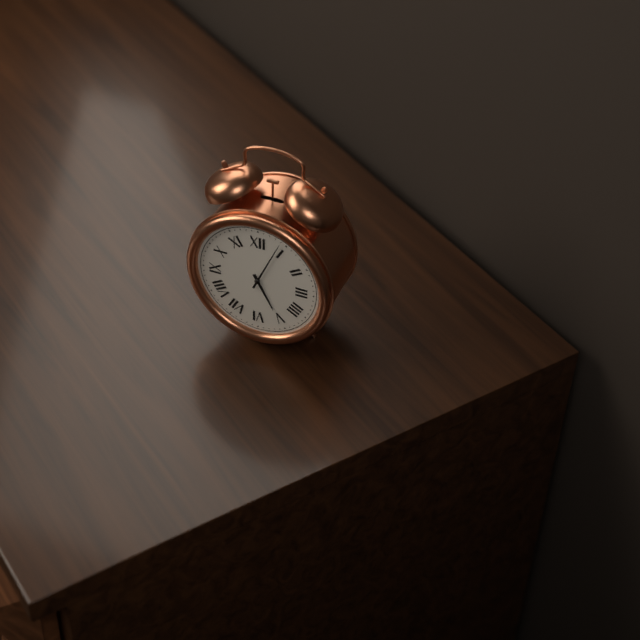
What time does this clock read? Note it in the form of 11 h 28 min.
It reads 5 h 04 min
